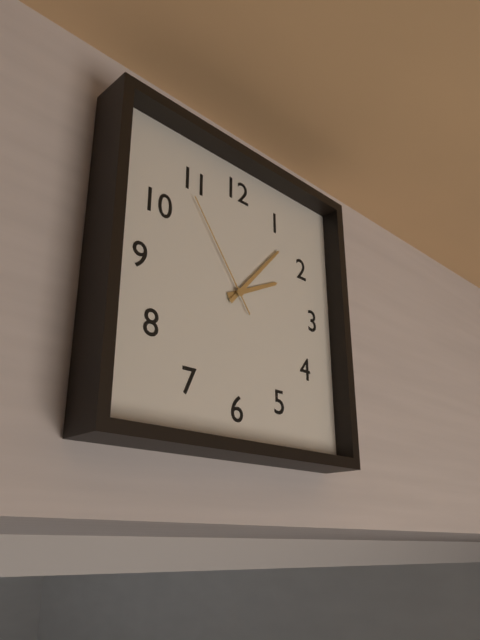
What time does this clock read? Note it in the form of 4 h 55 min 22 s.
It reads 2 h 07 min 54 s
